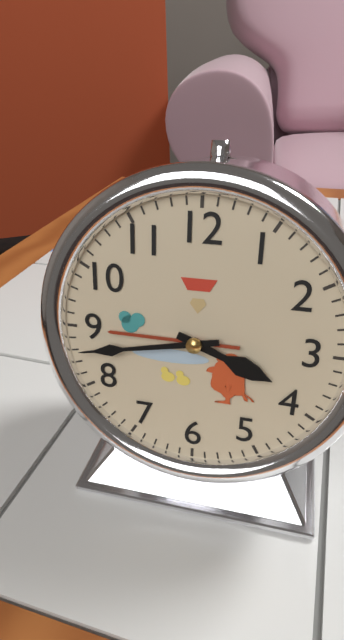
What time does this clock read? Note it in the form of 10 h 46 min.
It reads 3 h 43 min
